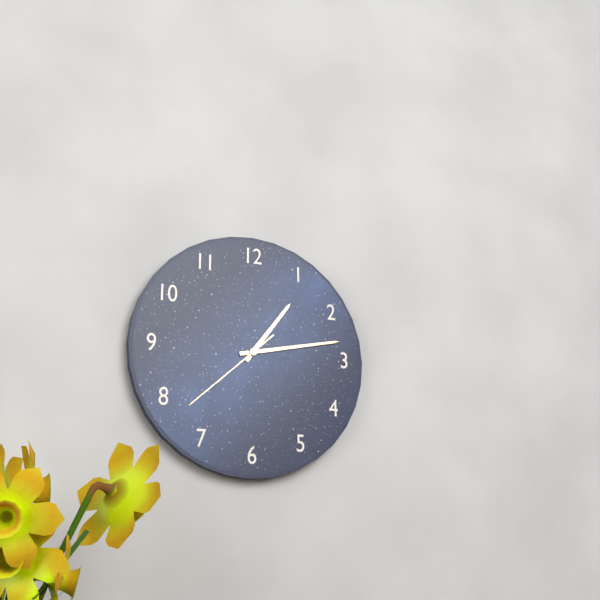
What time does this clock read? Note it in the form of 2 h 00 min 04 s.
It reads 1 h 13 min 38 s
